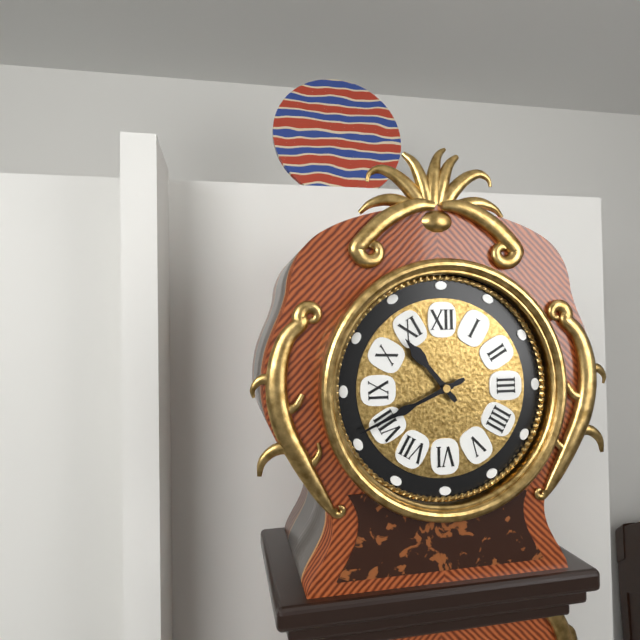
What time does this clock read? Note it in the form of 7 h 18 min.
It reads 10 h 41 min
